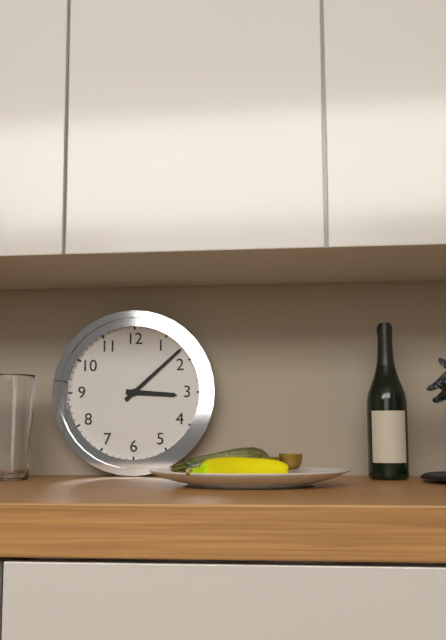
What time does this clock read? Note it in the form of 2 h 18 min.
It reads 3 h 08 min
